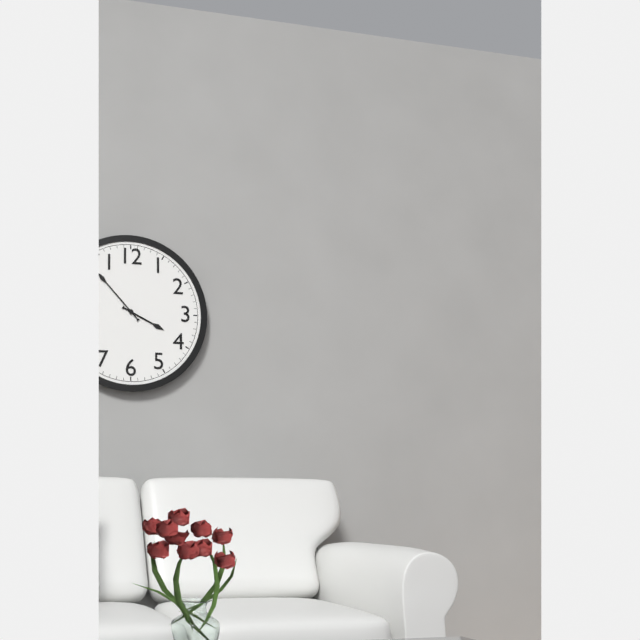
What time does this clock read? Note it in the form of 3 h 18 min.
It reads 3 h 53 min
